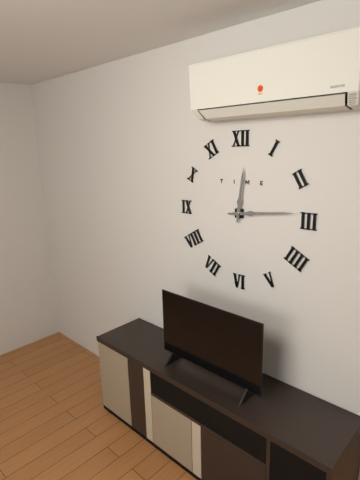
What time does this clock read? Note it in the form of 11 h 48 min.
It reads 12 h 14 min
